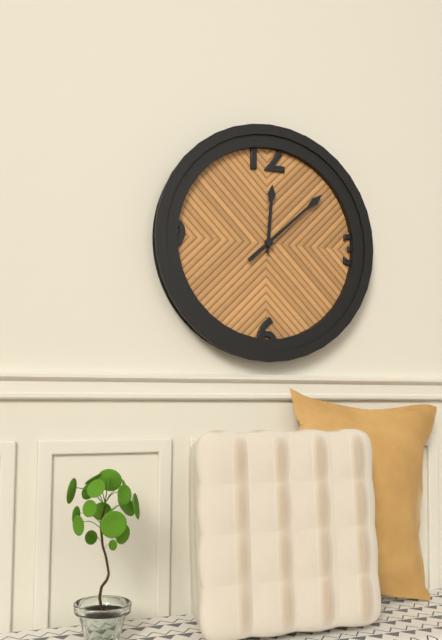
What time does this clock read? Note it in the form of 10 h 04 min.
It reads 12 h 08 min
